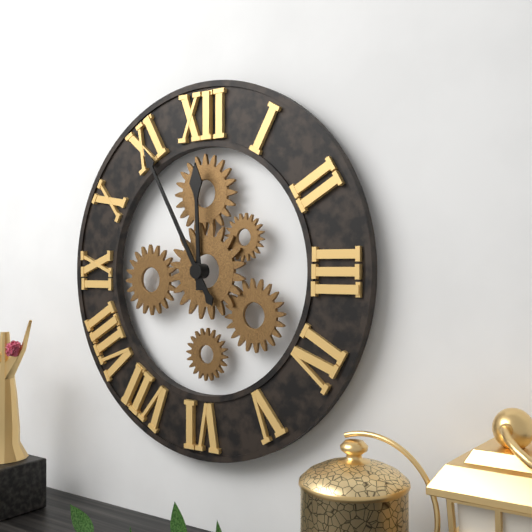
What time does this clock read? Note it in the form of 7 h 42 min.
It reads 11 h 55 min
